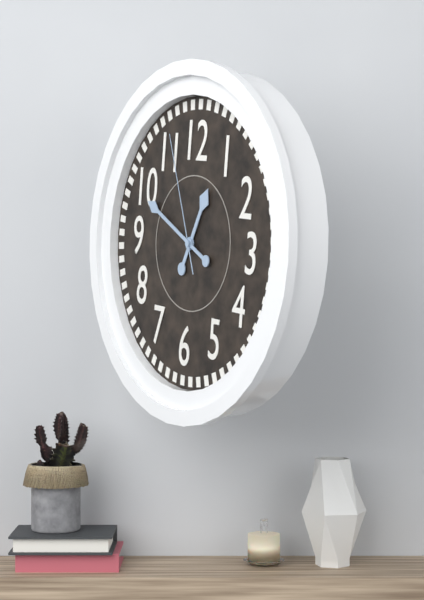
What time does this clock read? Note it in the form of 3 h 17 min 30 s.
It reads 12 h 49 min 56 s
